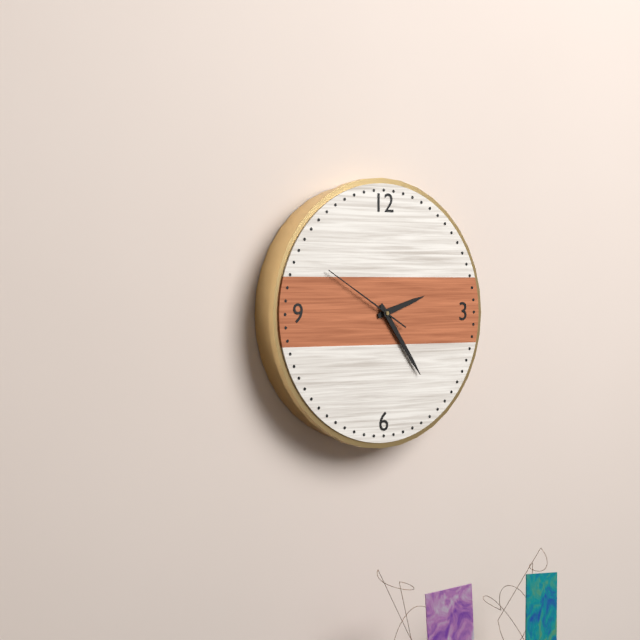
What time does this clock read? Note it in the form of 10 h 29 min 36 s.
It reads 2 h 24 min 50 s
